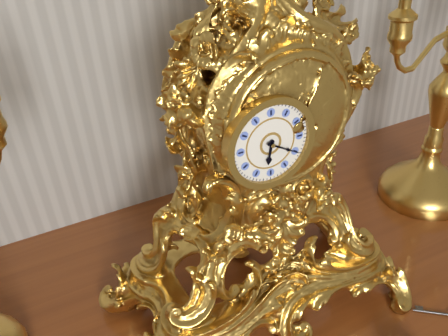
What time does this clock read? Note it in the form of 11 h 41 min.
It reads 6 h 20 min
